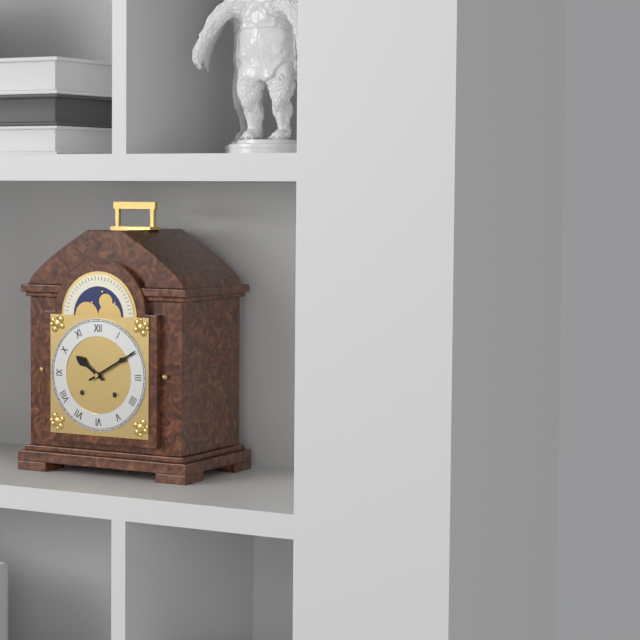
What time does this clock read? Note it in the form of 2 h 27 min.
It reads 10 h 10 min
